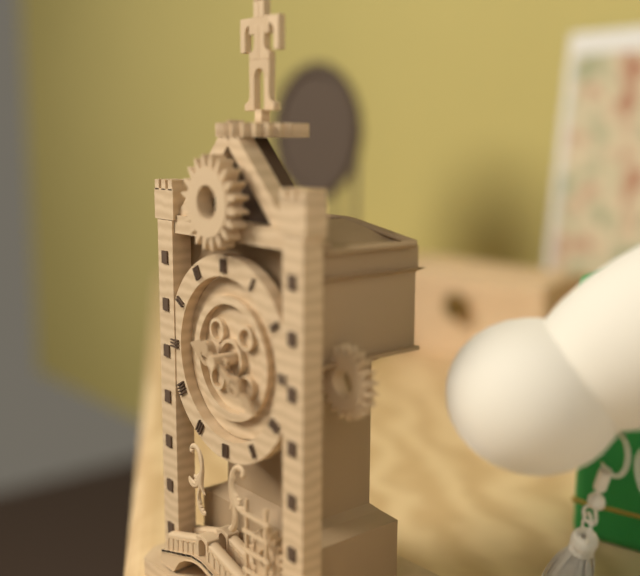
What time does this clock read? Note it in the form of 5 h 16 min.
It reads 9 h 20 min
